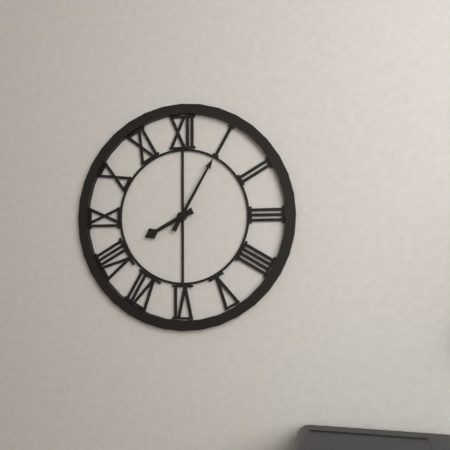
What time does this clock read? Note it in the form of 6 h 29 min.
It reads 8 h 05 min
